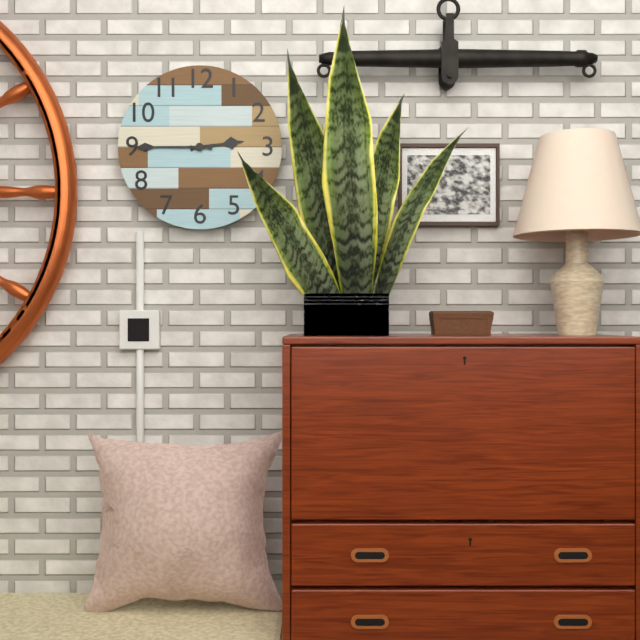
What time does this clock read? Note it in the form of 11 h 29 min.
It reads 2 h 45 min
